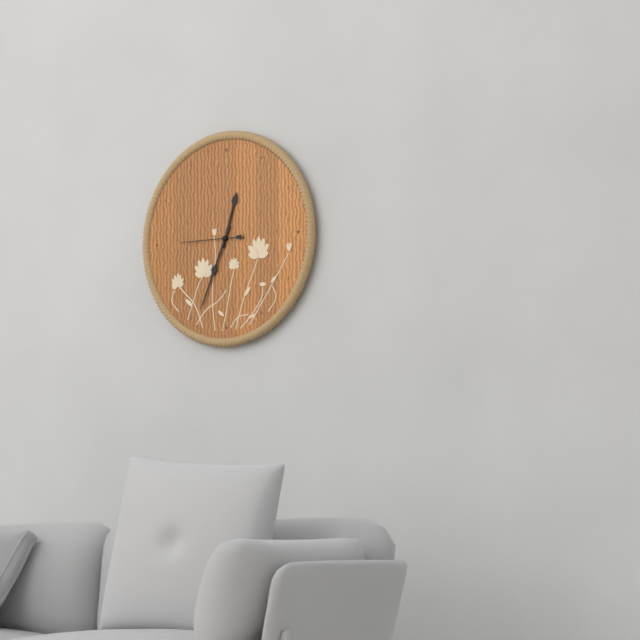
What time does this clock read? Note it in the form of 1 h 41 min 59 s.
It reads 12 h 34 min 45 s
